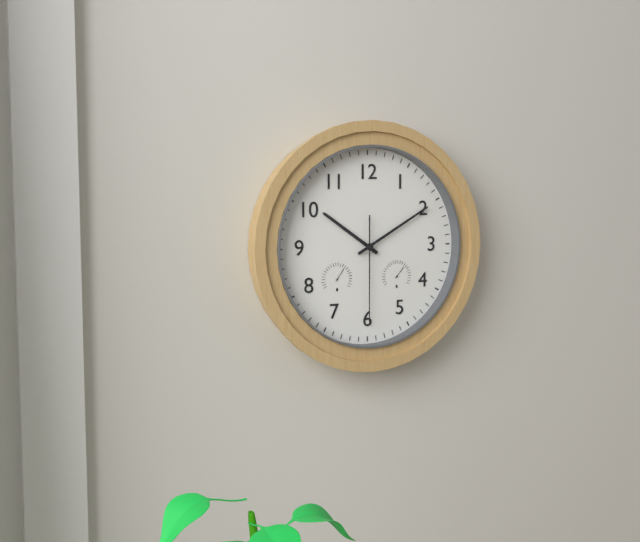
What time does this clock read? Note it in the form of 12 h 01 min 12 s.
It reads 10 h 10 min 30 s
